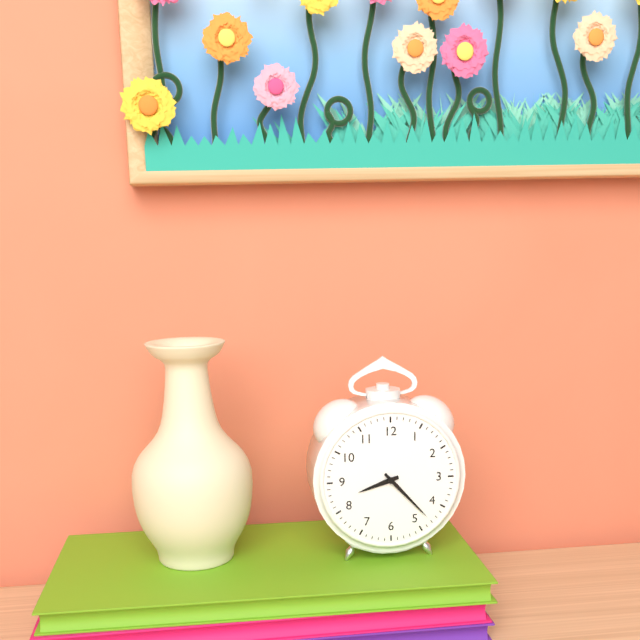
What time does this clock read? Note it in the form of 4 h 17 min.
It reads 8 h 23 min
